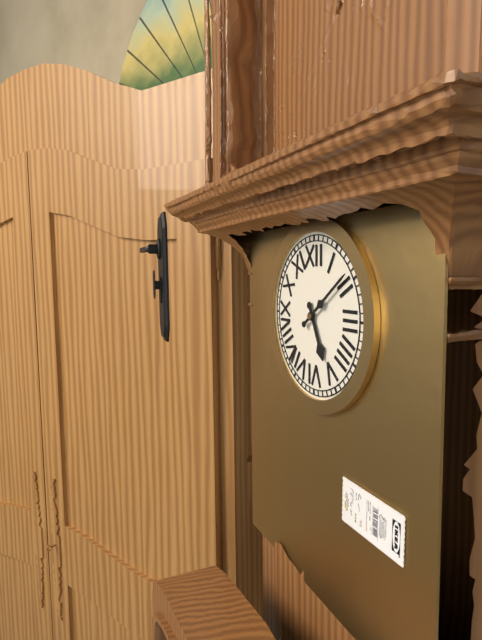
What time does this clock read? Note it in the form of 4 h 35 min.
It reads 5 h 09 min
